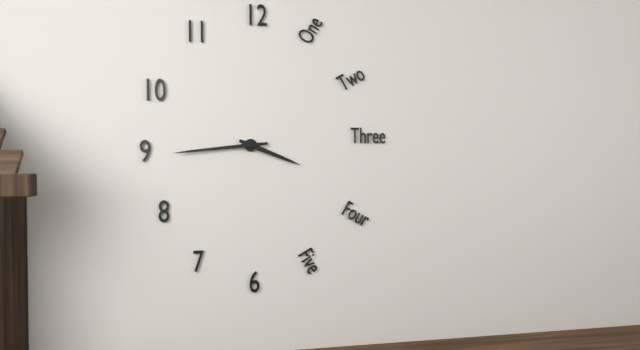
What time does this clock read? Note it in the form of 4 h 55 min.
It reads 3 h 44 min
